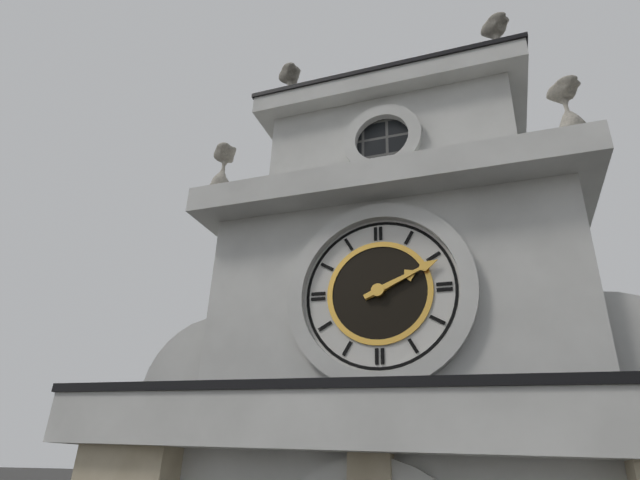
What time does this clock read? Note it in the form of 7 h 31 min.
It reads 2 h 11 min
